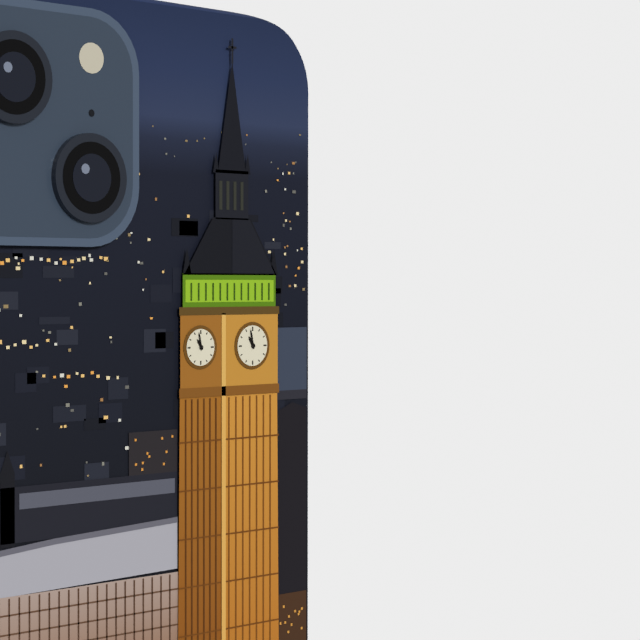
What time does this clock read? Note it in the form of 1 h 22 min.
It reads 10 h 58 min
